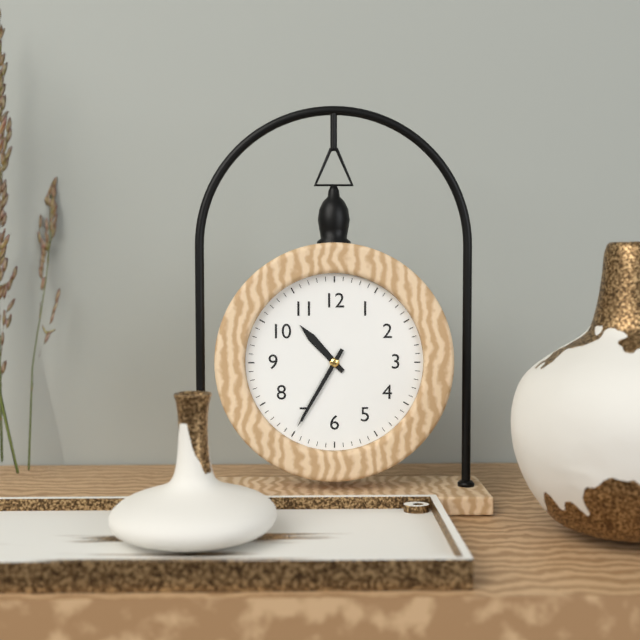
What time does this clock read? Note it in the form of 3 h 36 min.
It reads 10 h 35 min
